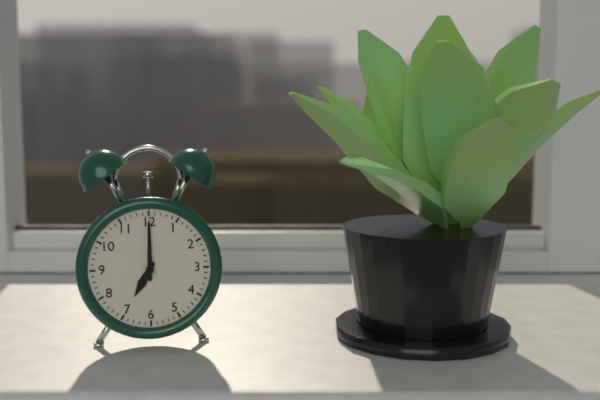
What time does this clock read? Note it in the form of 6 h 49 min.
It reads 7 h 00 min
